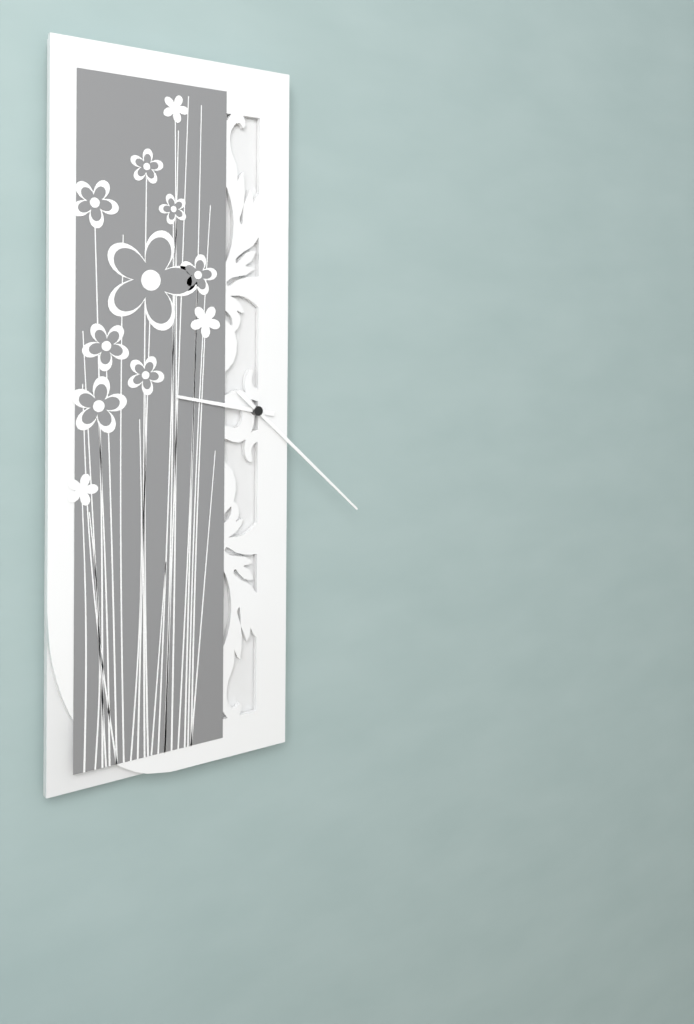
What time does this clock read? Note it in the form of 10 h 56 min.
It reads 9 h 22 min
